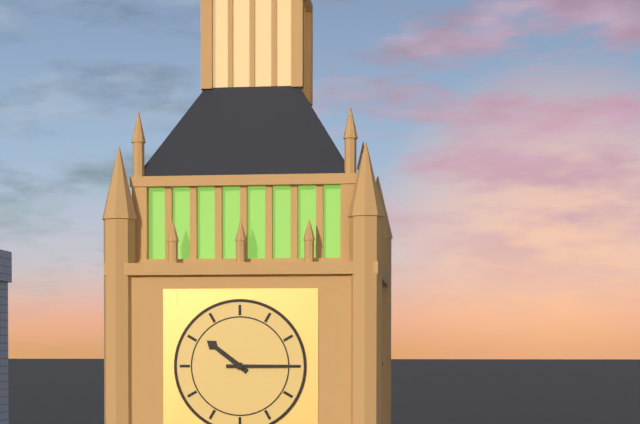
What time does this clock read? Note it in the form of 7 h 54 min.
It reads 10 h 15 min
